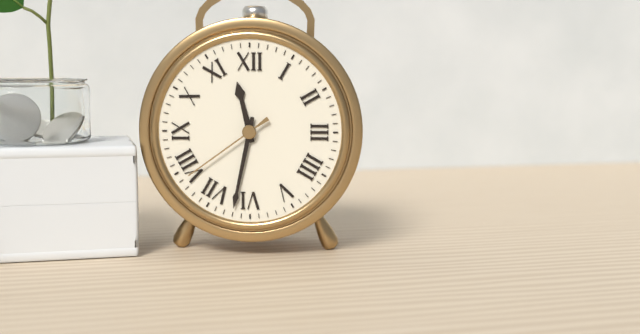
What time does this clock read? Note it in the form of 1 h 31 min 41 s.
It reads 11 h 32 min 39 s
